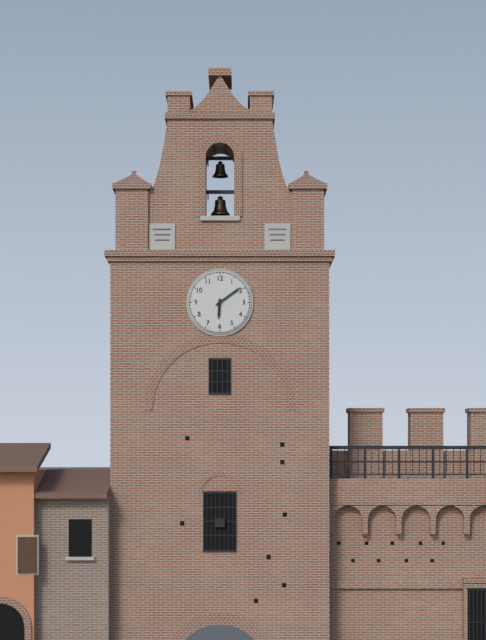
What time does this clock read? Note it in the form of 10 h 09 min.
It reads 6 h 09 min
